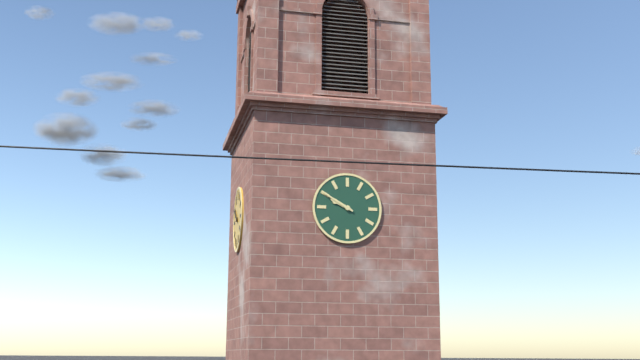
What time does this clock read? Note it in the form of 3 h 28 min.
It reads 9 h 50 min
